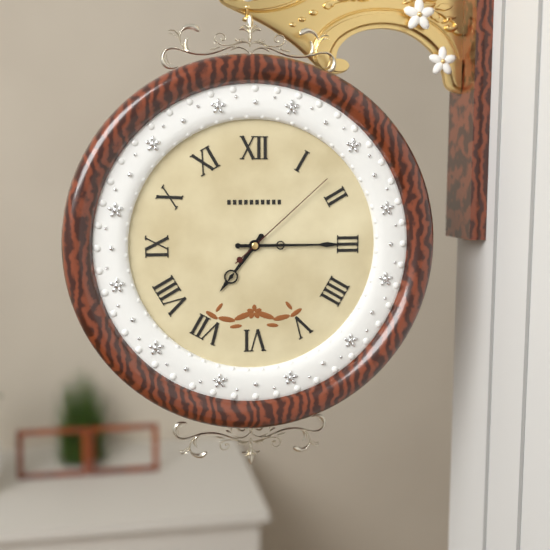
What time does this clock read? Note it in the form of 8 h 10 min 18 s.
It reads 7 h 15 min 08 s
